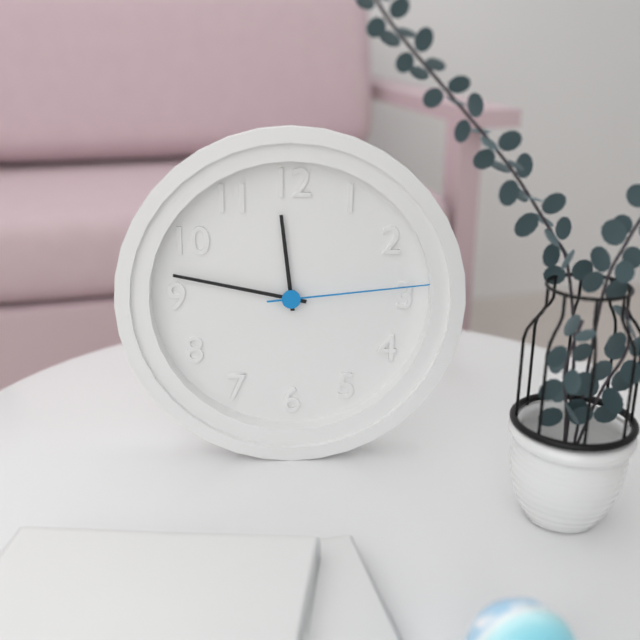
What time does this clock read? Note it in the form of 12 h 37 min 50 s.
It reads 11 h 47 min 14 s
